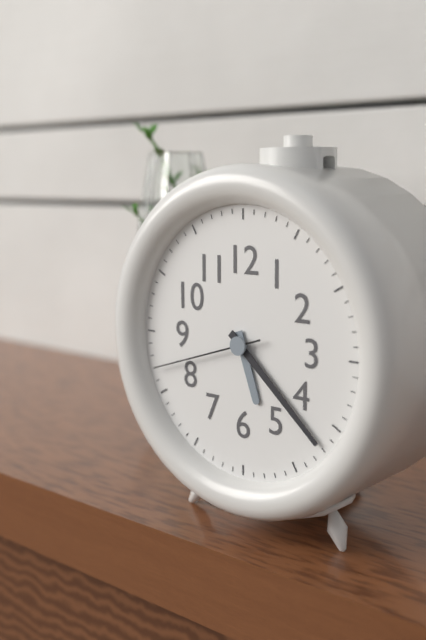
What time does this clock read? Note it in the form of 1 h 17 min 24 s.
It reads 5 h 22 min 42 s
